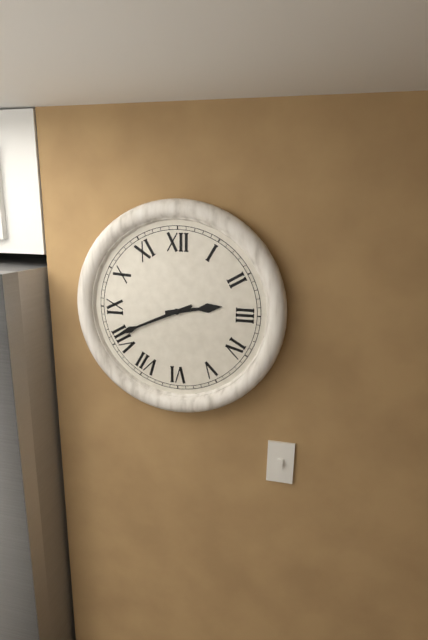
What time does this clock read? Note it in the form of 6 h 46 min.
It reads 2 h 41 min
